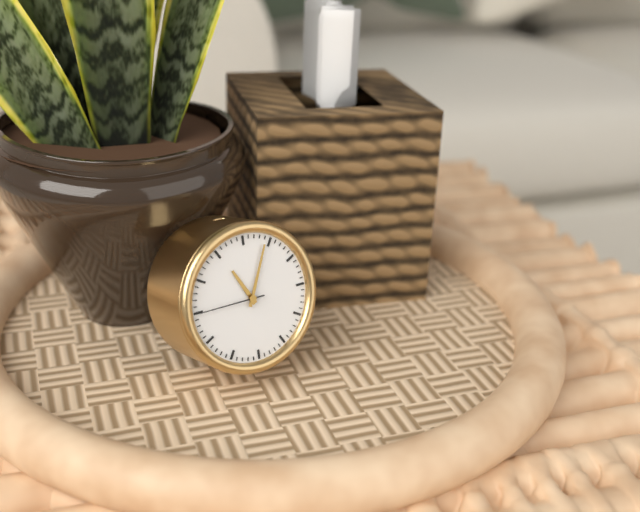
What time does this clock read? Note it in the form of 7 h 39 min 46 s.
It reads 11 h 04 min 45 s
